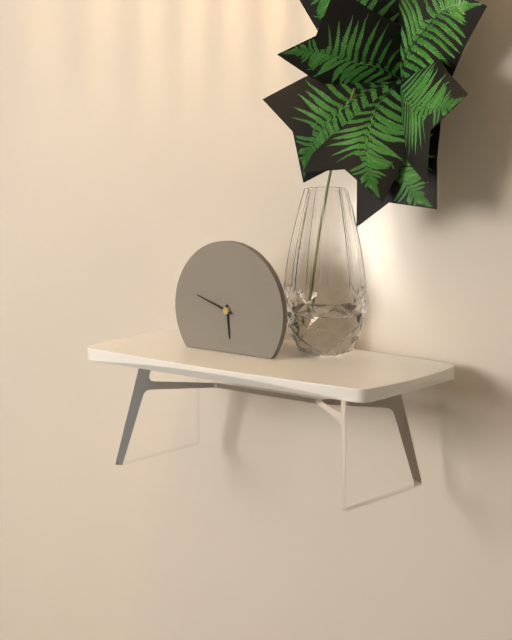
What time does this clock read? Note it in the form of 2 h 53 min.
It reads 5 h 48 min
